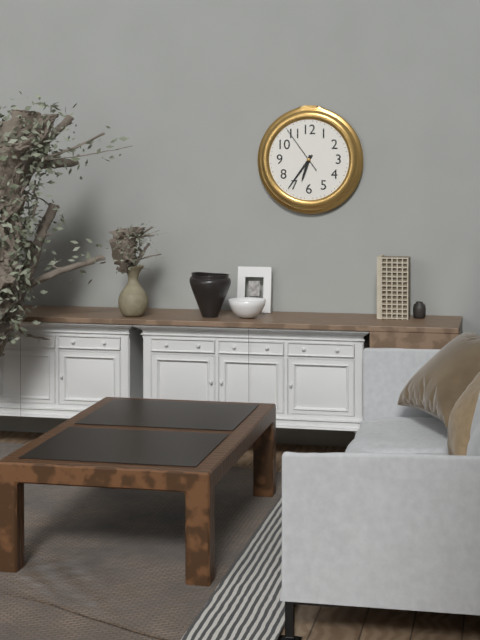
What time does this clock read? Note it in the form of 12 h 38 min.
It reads 6 h 36 min
